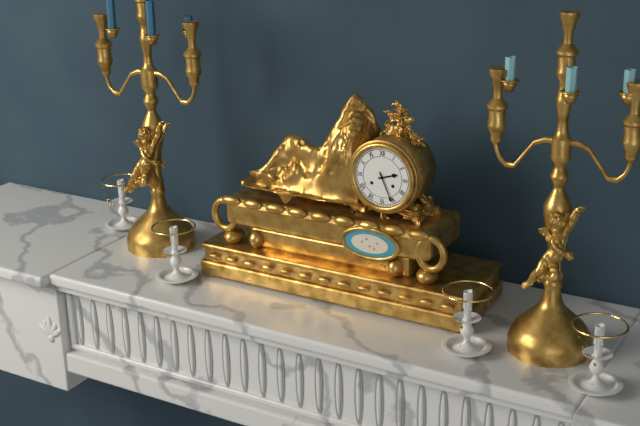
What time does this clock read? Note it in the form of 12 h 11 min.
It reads 2 h 26 min
